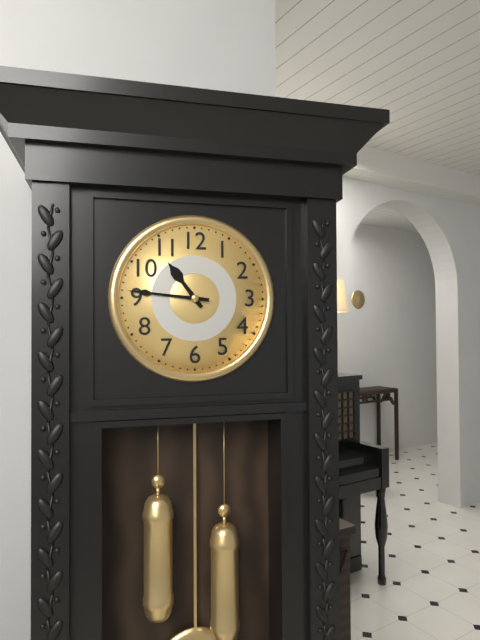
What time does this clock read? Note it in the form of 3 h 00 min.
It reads 10 h 46 min
